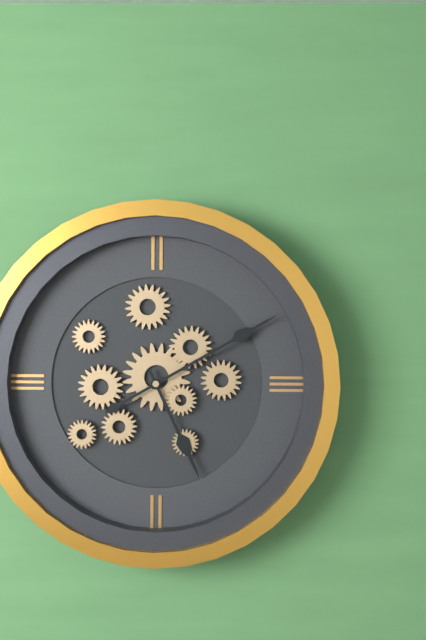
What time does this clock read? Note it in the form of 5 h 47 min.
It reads 5 h 10 min
